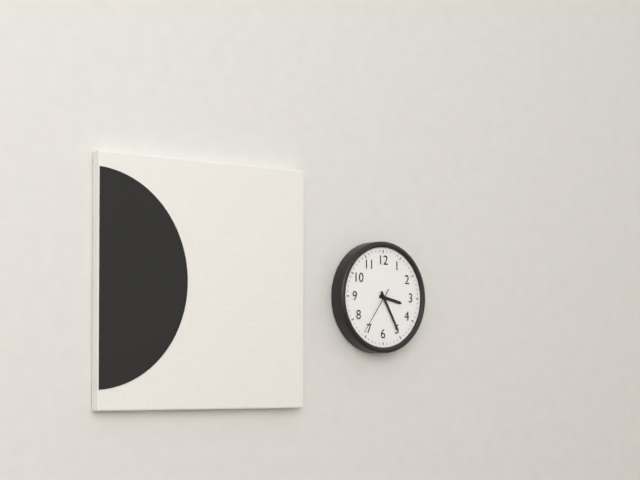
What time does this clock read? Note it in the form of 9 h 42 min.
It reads 3 h 25 min
